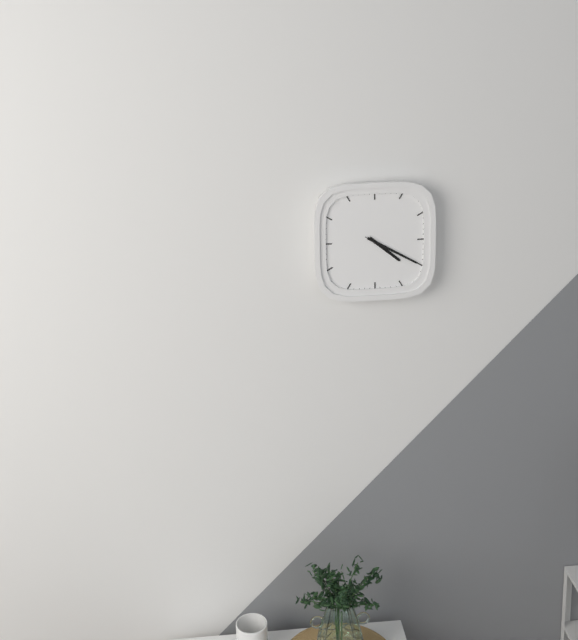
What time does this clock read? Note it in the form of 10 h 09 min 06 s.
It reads 4 h 20 min 20 s
